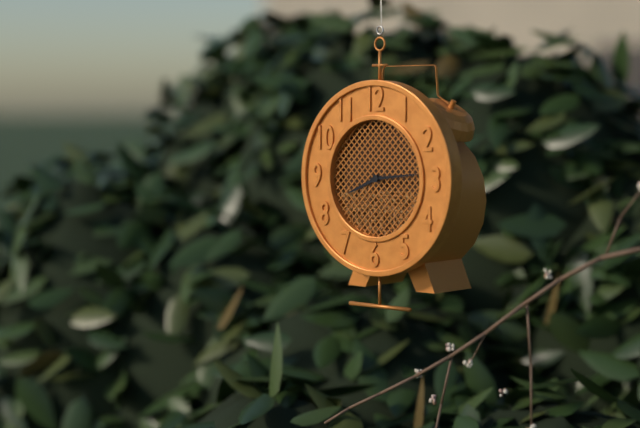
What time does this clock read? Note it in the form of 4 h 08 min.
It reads 8 h 14 min
